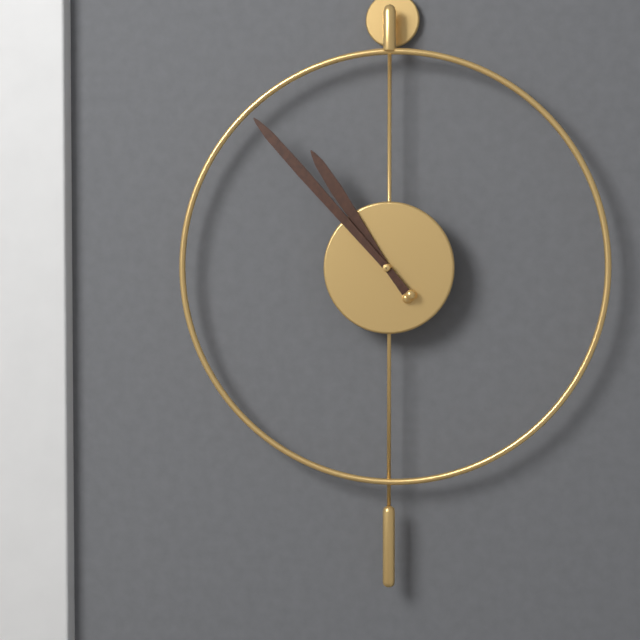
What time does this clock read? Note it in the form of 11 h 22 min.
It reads 10 h 53 min
